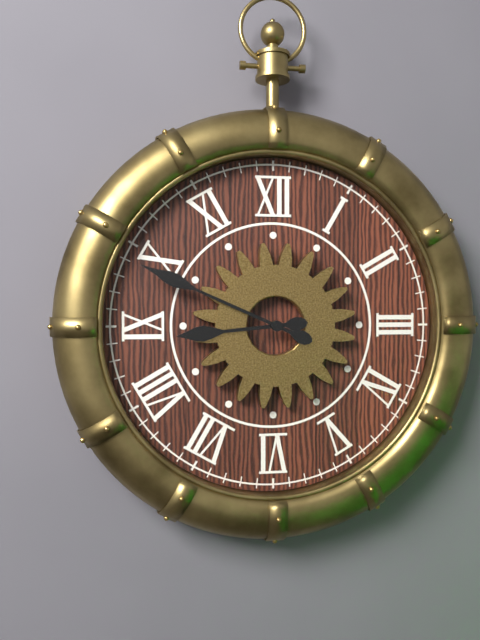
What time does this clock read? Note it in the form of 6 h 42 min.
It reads 8 h 49 min
